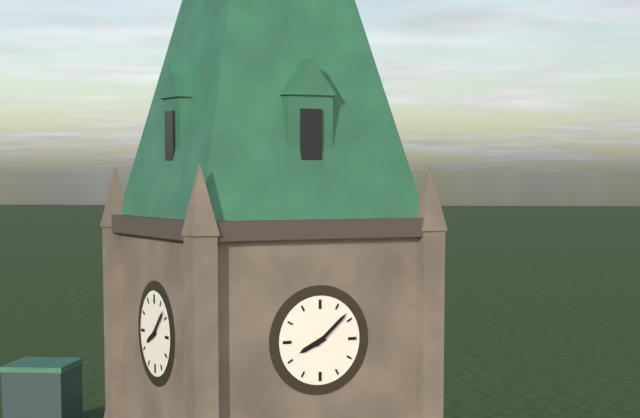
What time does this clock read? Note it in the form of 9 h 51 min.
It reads 8 h 08 min
